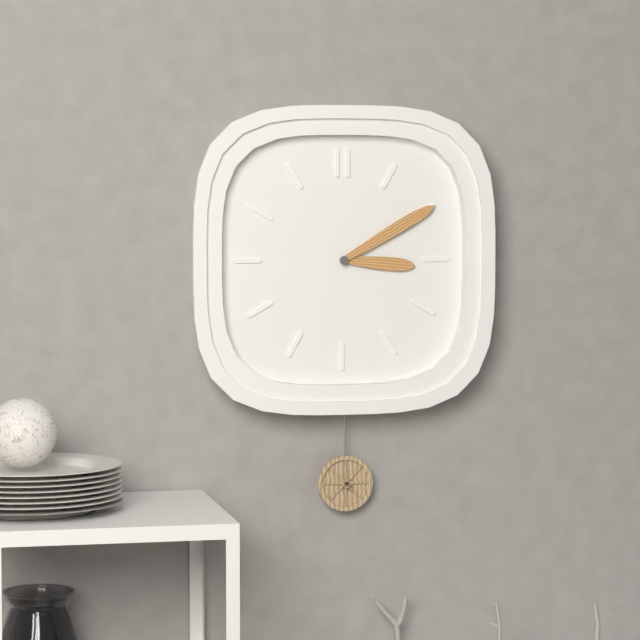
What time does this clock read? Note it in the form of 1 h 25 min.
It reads 3 h 10 min
